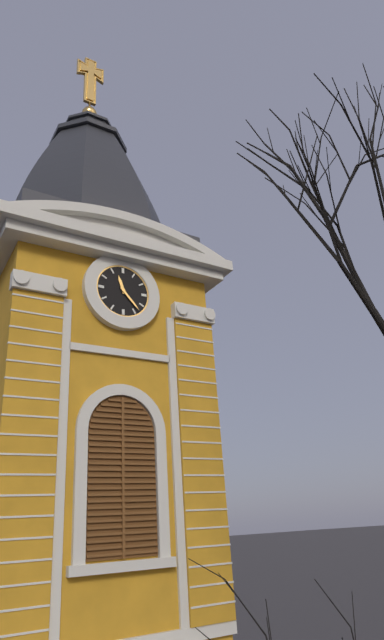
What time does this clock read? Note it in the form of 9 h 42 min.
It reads 11 h 23 min
